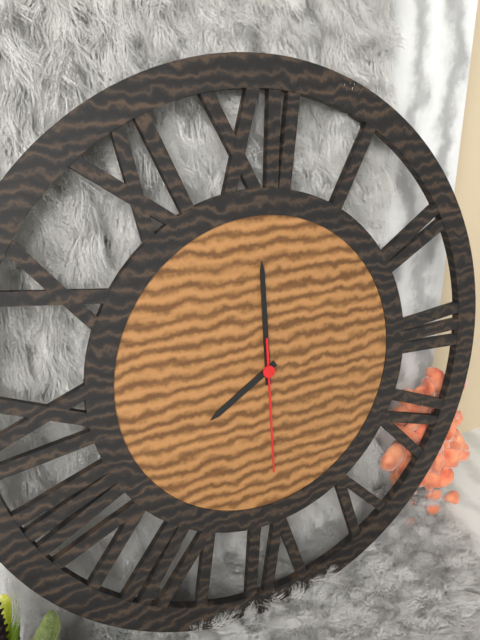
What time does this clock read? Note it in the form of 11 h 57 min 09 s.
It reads 8 h 00 min 30 s
